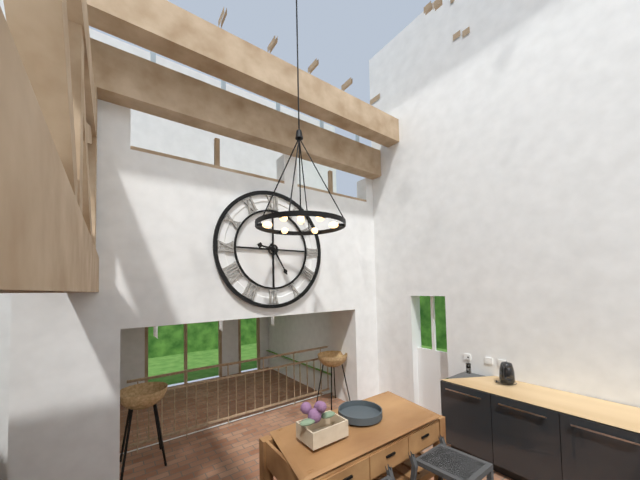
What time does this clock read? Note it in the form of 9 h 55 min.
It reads 9 h 25 min
